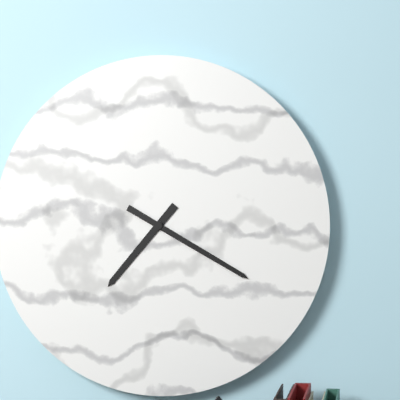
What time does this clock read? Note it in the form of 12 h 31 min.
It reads 7 h 20 min
